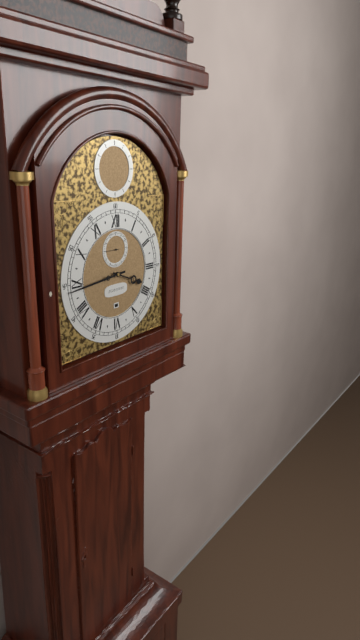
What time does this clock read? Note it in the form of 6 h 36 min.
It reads 3 h 44 min
